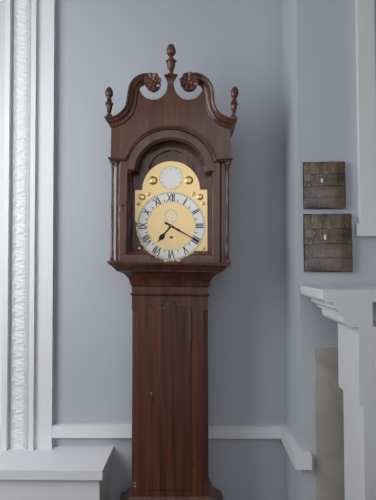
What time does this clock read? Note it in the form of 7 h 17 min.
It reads 7 h 20 min
